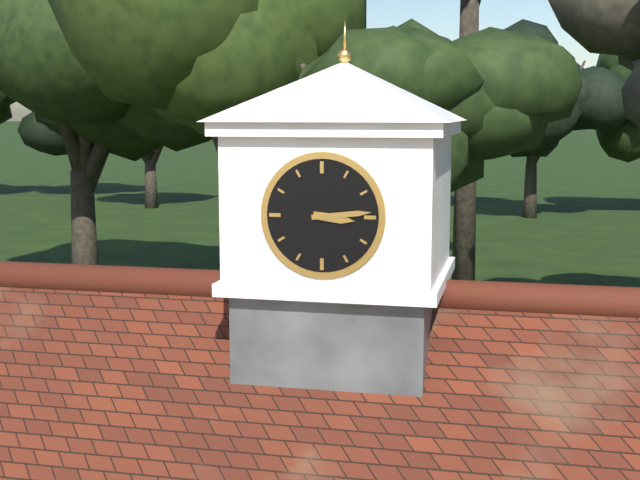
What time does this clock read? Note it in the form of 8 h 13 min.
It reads 3 h 14 min
